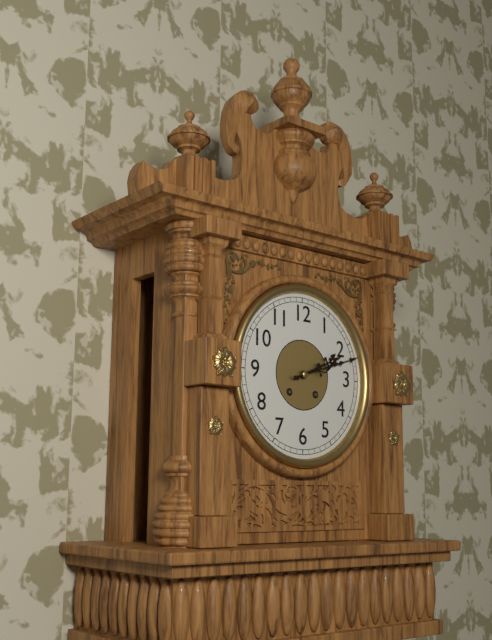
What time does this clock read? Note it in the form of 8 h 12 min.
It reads 2 h 12 min
